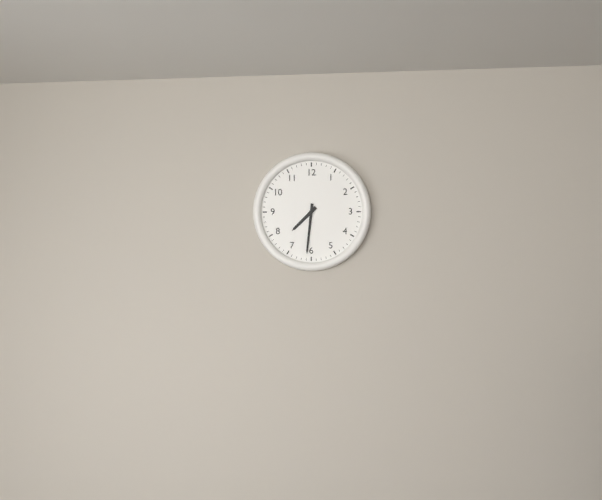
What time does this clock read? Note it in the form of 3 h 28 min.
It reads 7 h 31 min
